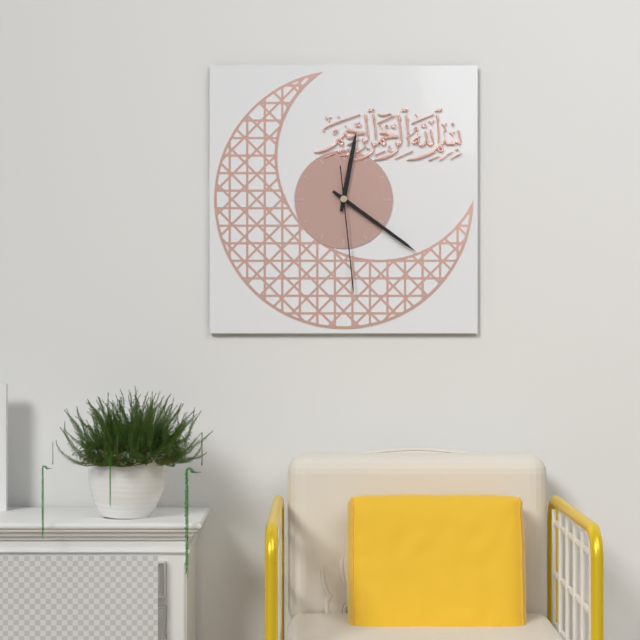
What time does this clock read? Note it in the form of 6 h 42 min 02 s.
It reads 12 h 21 min 29 s
